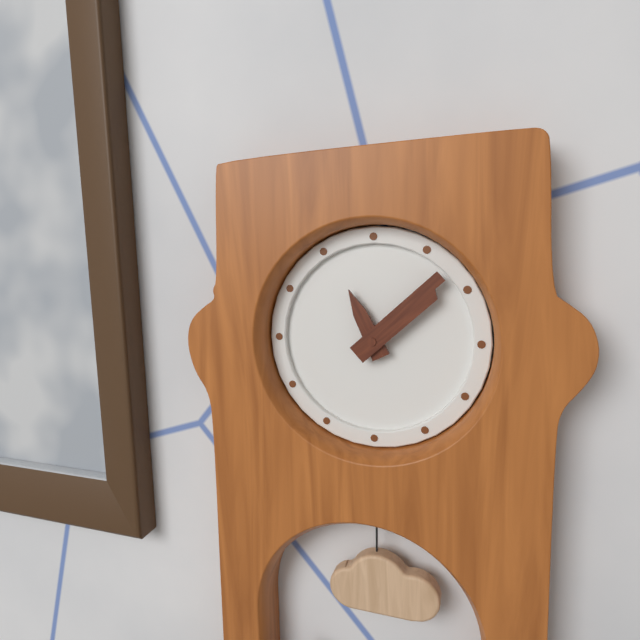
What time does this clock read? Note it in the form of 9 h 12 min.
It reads 11 h 08 min
